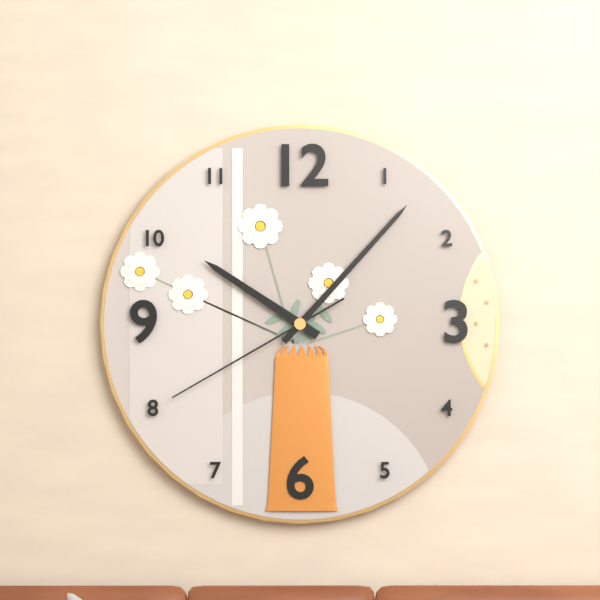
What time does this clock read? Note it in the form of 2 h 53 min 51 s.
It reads 10 h 07 min 40 s
